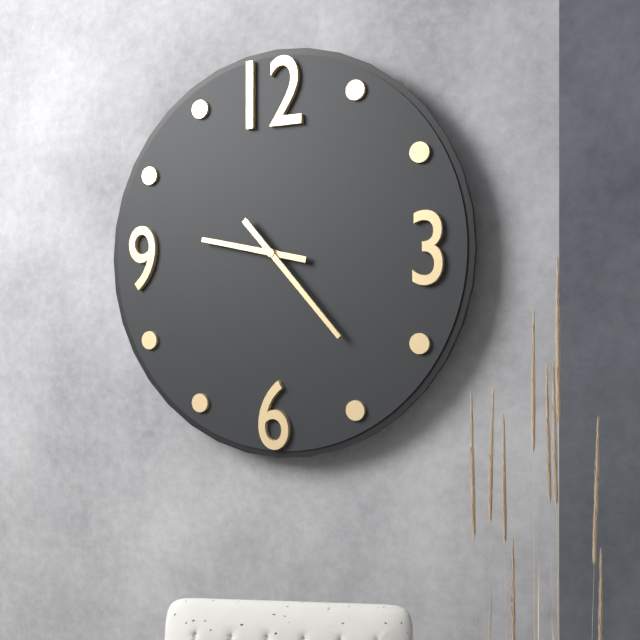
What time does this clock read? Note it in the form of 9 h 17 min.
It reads 9 h 23 min
